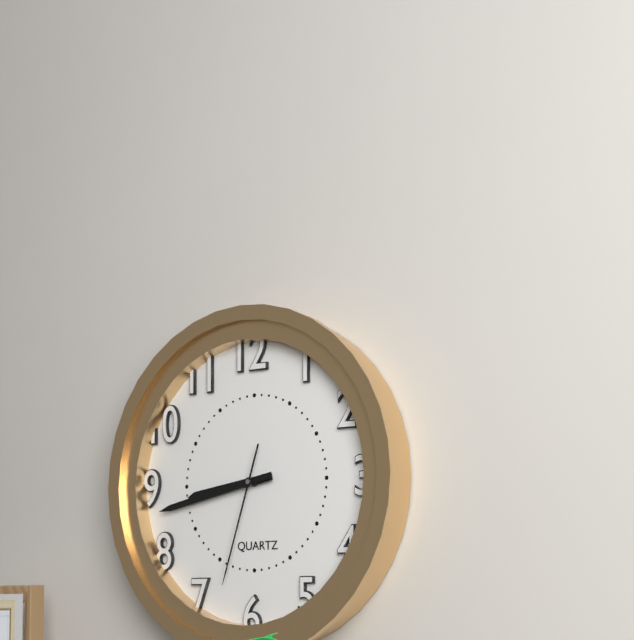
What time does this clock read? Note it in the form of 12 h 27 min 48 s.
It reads 8 h 43 min 33 s
